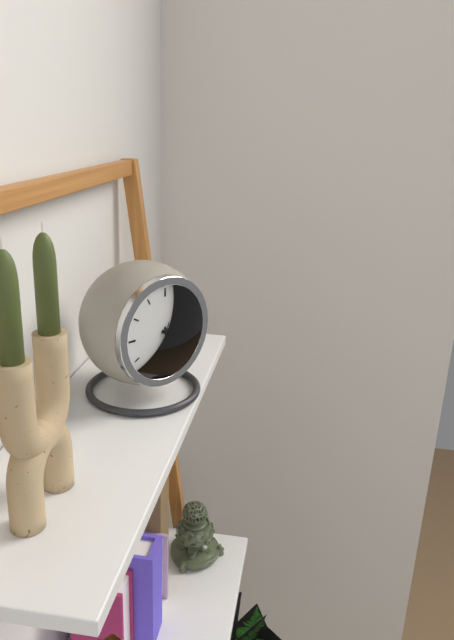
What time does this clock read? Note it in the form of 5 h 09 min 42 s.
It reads 3 h 28 min 33 s
